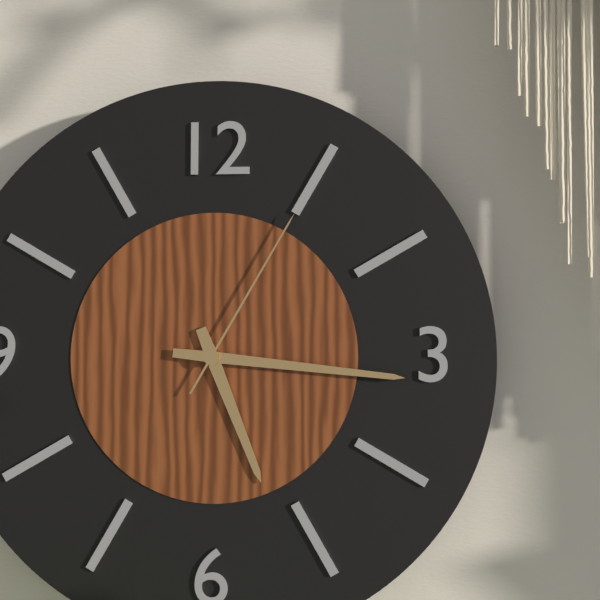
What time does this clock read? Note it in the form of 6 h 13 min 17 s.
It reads 5 h 16 min 05 s
